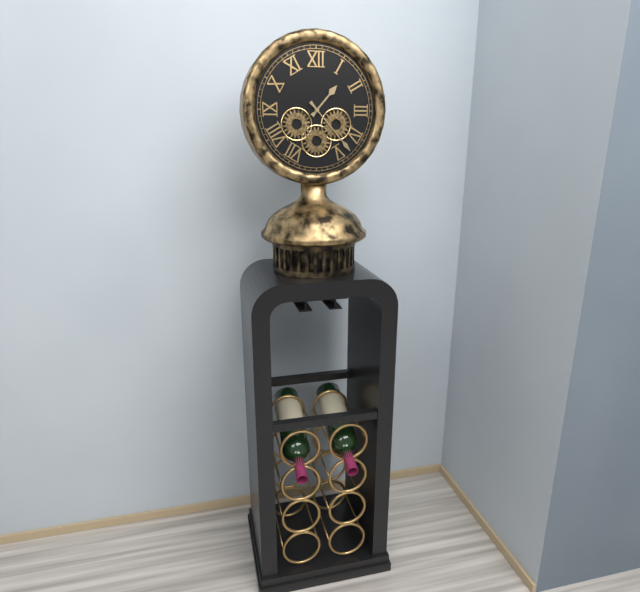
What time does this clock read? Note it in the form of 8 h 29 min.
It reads 1 h 23 min
